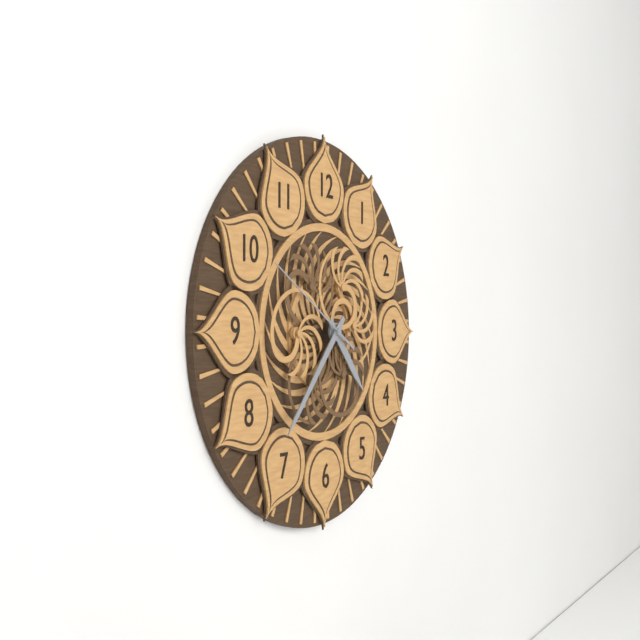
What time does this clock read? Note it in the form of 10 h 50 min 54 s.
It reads 4 h 37 min 50 s
